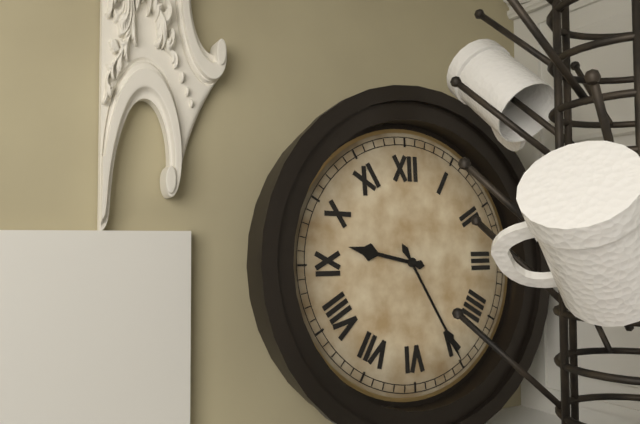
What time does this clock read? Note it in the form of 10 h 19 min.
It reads 9 h 25 min
